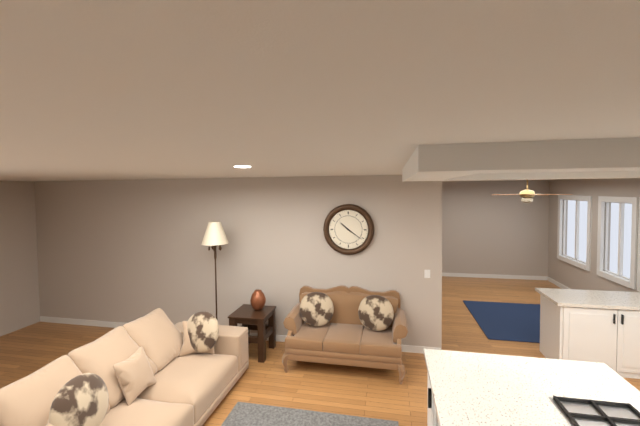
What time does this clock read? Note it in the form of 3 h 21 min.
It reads 10 h 21 min
